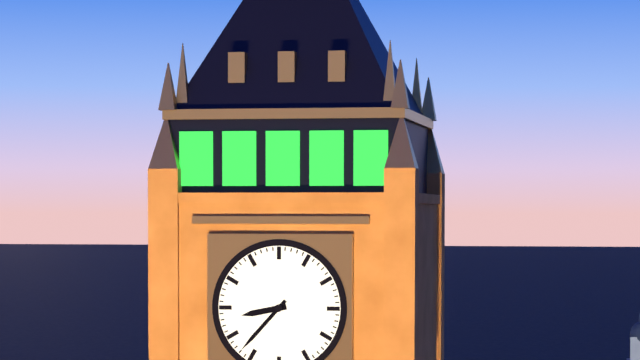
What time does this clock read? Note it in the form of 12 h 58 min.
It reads 8 h 37 min
